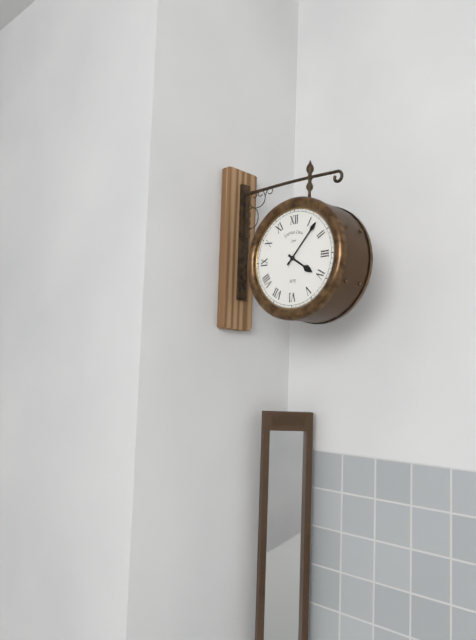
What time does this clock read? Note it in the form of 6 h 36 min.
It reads 4 h 07 min
